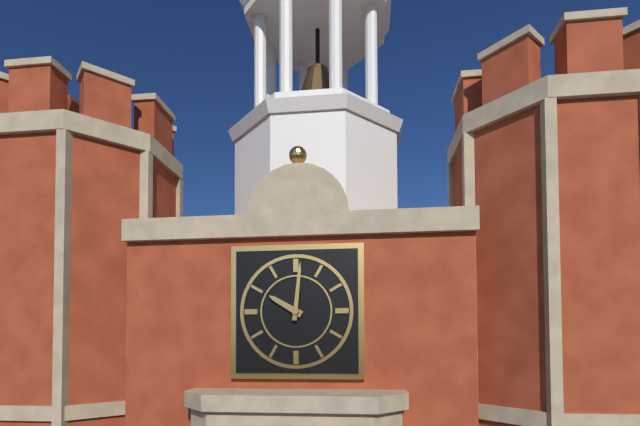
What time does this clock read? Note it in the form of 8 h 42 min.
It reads 10 h 01 min
